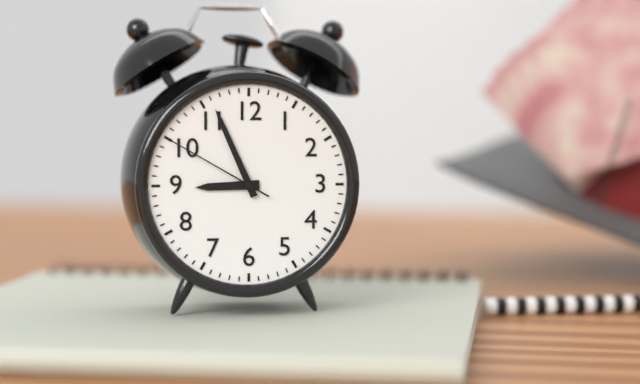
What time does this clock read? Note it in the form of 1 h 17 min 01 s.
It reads 8 h 56 min 50 s
